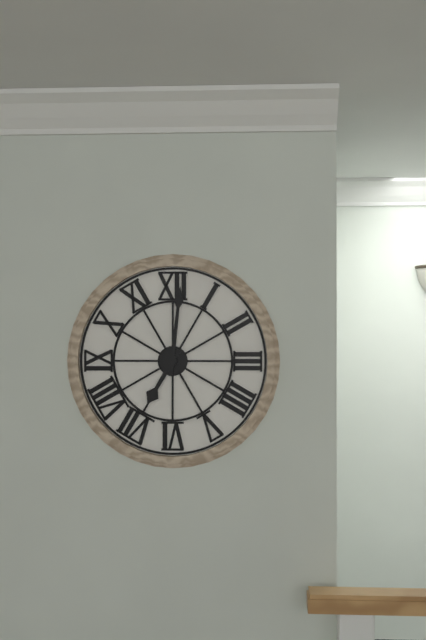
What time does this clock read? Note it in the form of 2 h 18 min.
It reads 7 h 01 min
